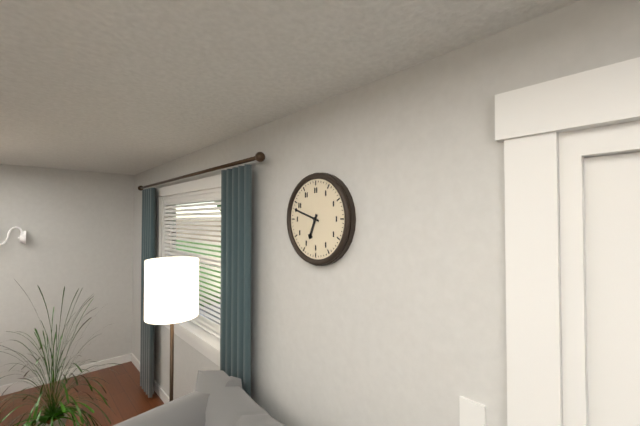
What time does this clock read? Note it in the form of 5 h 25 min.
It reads 6 h 48 min
